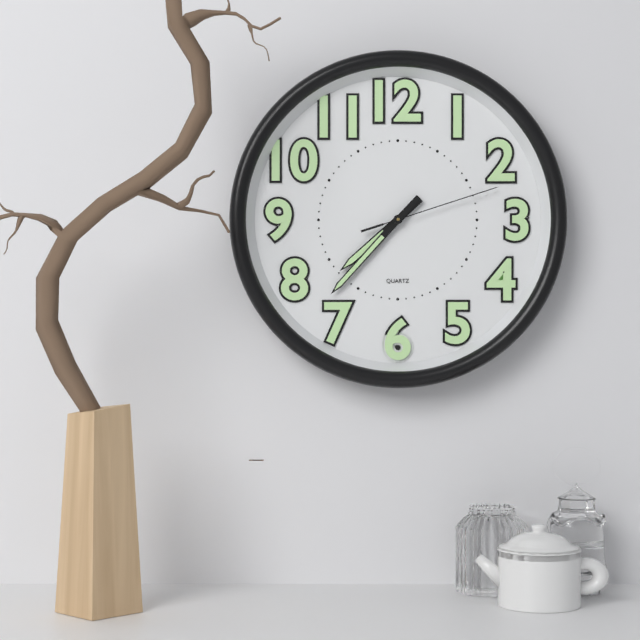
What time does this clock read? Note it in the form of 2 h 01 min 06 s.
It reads 7 h 37 min 12 s
